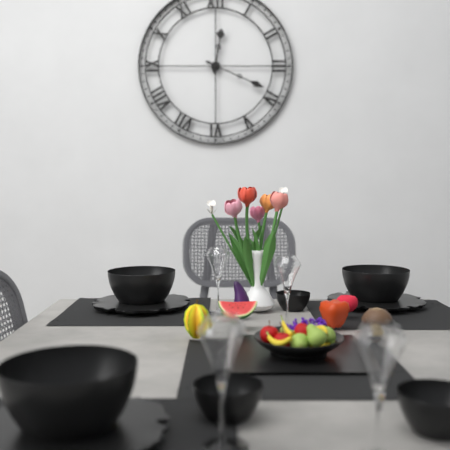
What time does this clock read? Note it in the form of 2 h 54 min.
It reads 12 h 19 min
